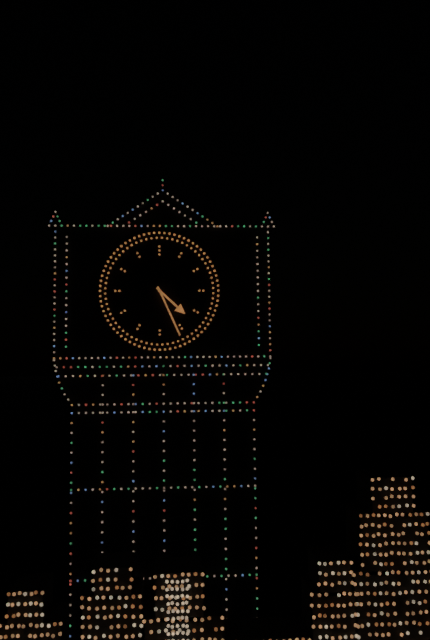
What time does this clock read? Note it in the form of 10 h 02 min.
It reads 4 h 26 min
